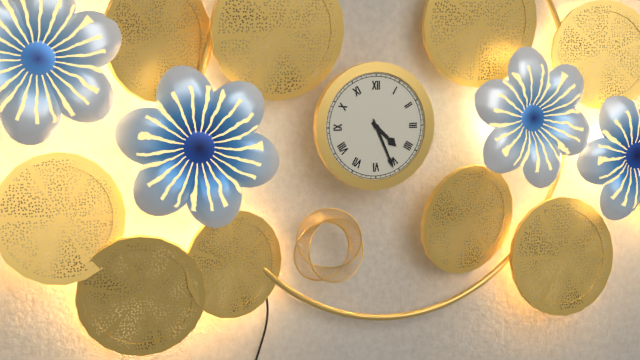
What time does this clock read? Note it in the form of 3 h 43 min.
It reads 4 h 26 min
